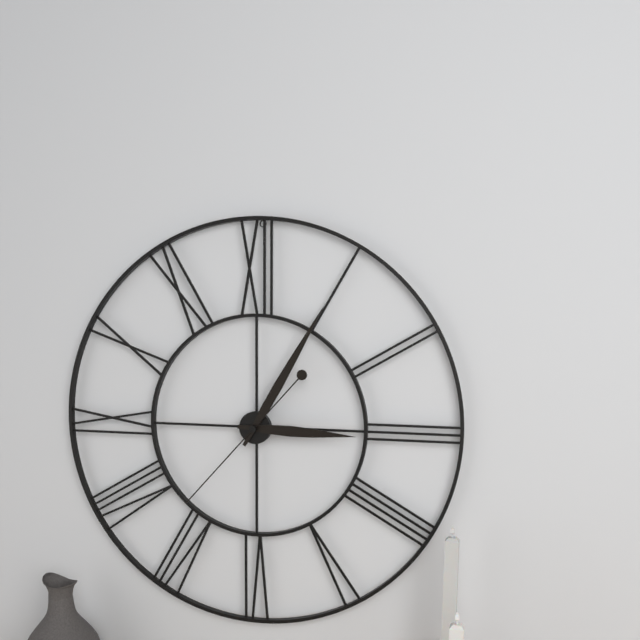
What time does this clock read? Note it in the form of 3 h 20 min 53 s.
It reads 3 h 05 min 37 s
